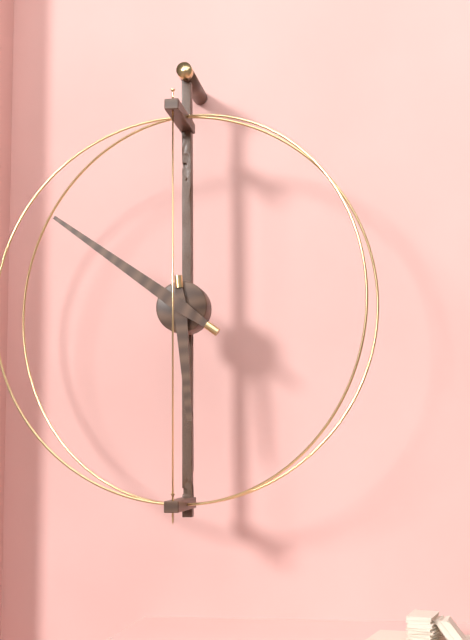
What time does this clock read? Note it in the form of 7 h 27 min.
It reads 5 h 51 min
